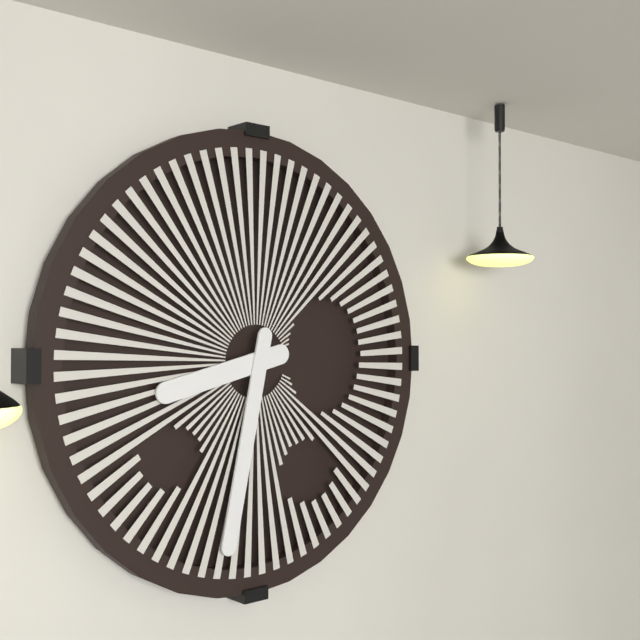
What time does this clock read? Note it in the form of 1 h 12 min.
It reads 8 h 32 min
